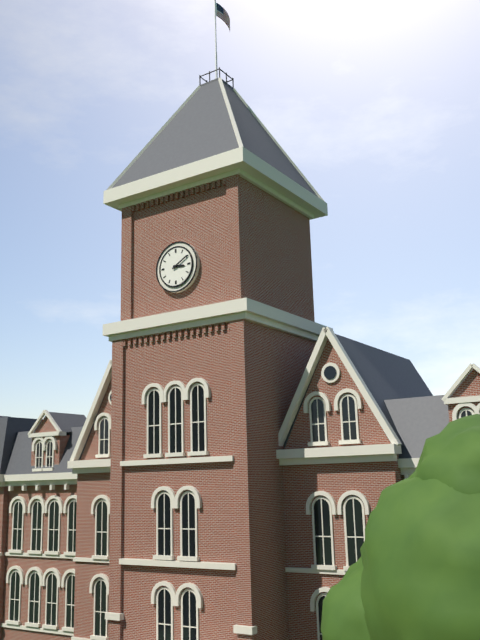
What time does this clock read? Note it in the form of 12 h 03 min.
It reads 3 h 10 min
